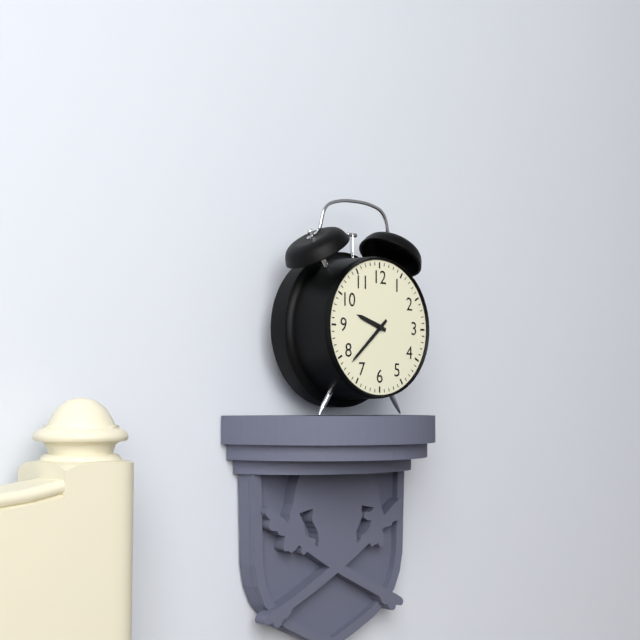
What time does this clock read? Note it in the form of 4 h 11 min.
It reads 9 h 38 min
